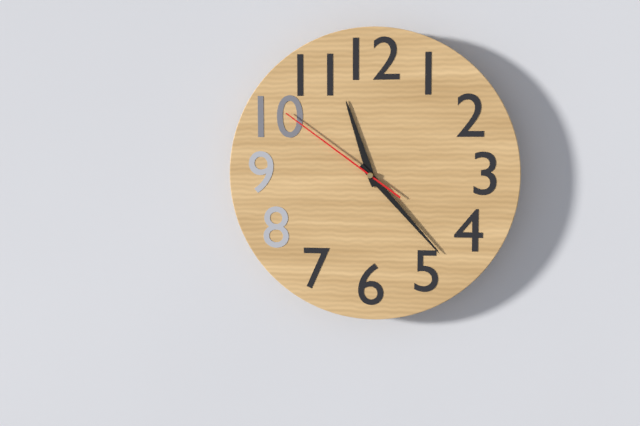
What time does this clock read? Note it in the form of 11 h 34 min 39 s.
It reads 11 h 23 min 51 s
